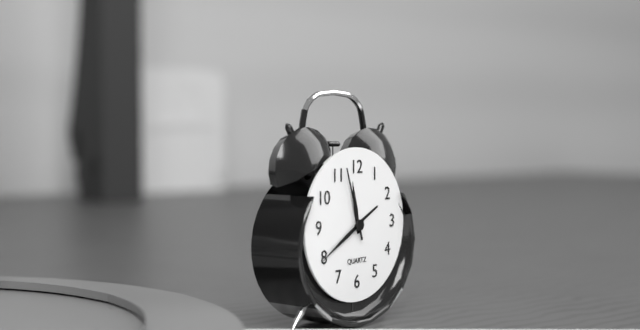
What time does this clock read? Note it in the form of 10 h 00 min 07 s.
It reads 11 h 40 min 57 s
